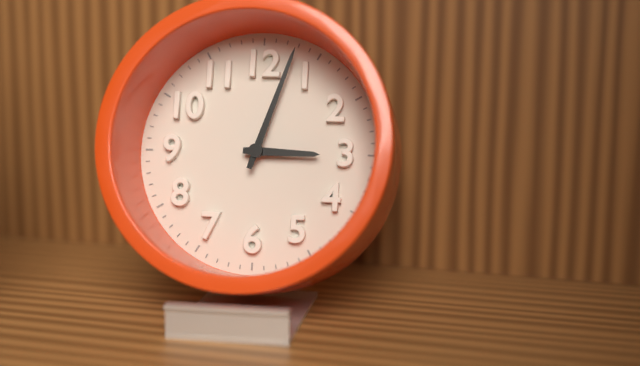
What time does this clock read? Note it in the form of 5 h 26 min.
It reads 3 h 03 min
